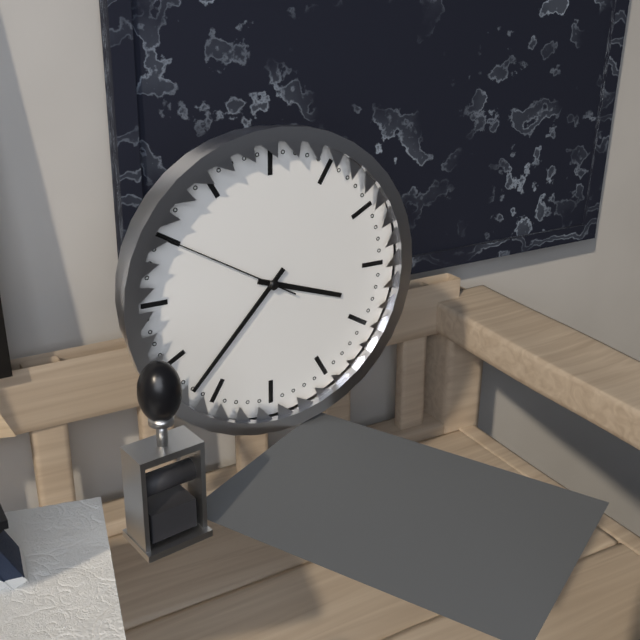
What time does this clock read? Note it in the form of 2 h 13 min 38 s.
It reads 3 h 37 min 50 s
